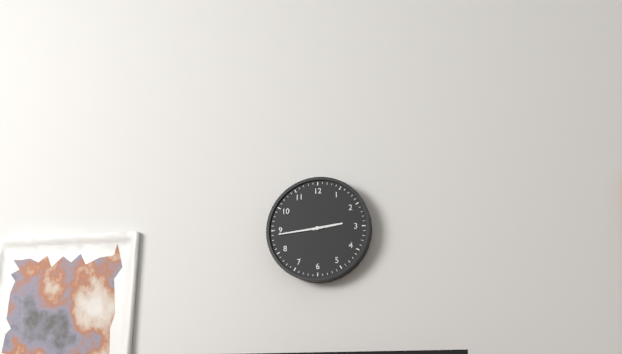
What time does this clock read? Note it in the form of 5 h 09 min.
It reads 2 h 44 min
